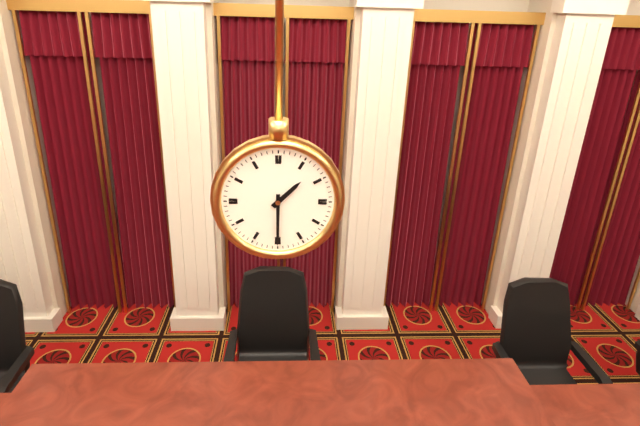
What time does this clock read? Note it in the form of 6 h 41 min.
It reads 1 h 30 min
